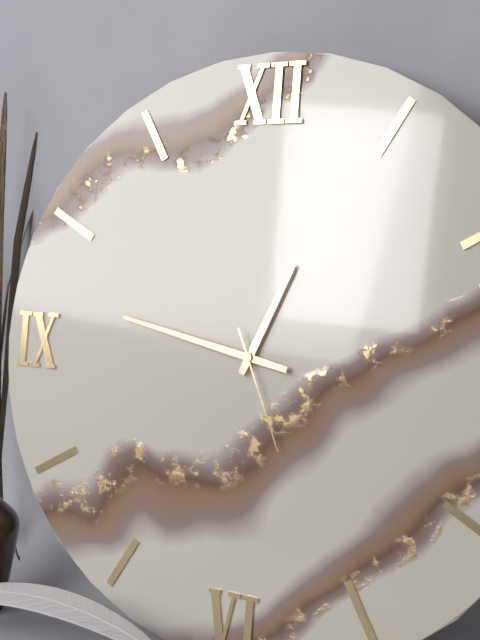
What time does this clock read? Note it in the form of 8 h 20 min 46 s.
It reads 12 h 47 min 26 s
